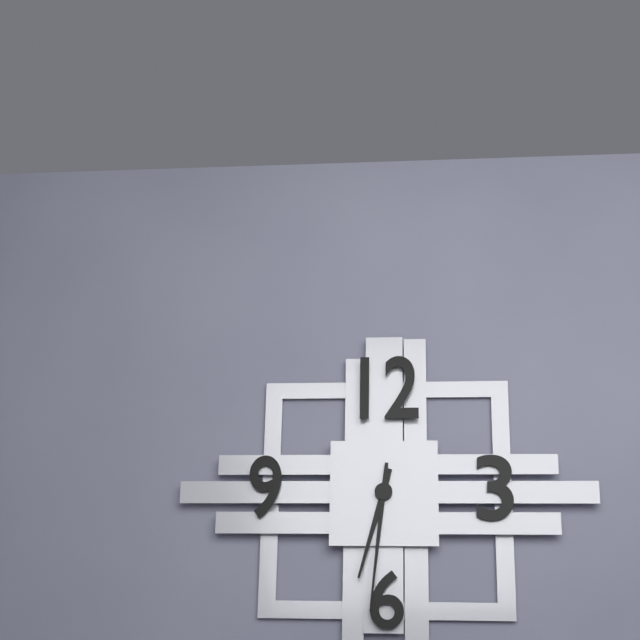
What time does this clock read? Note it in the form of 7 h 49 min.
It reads 6 h 31 min
